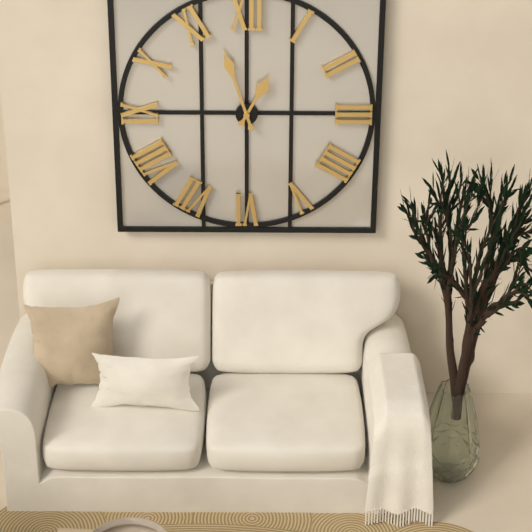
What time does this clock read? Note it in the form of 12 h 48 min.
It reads 12 h 57 min
